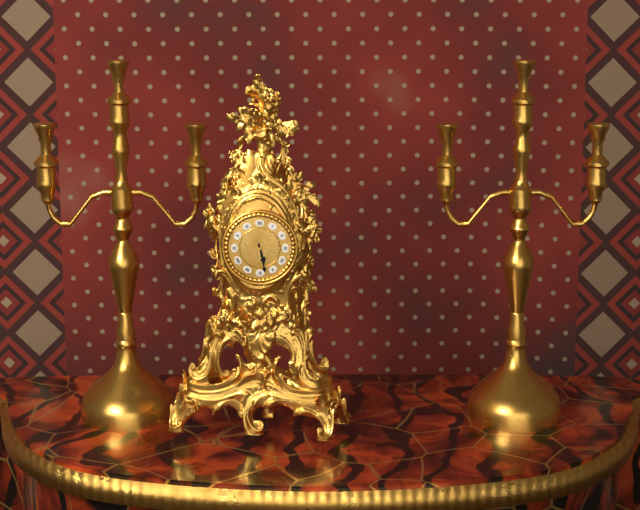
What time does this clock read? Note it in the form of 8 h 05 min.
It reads 5 h 28 min
